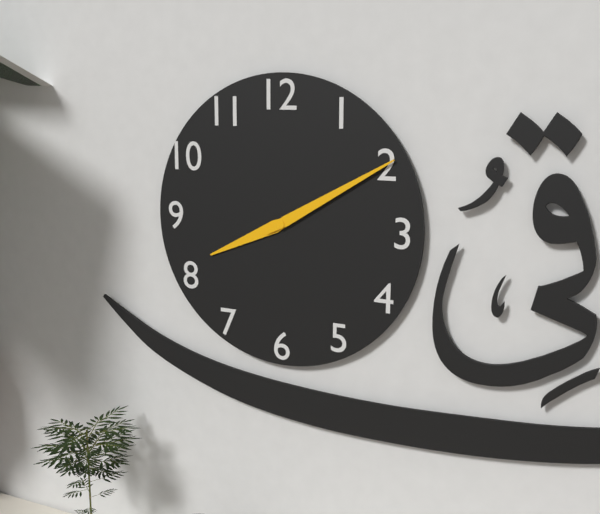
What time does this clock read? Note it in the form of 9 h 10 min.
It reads 8 h 10 min
